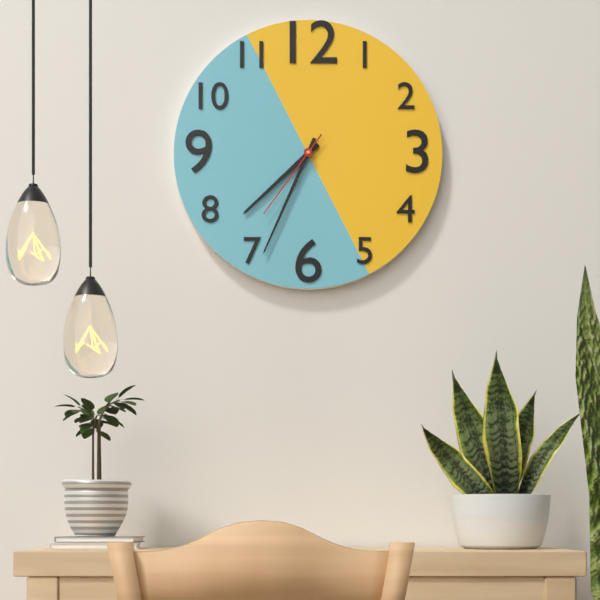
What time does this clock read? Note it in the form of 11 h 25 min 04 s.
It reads 7 h 34 min 36 s
